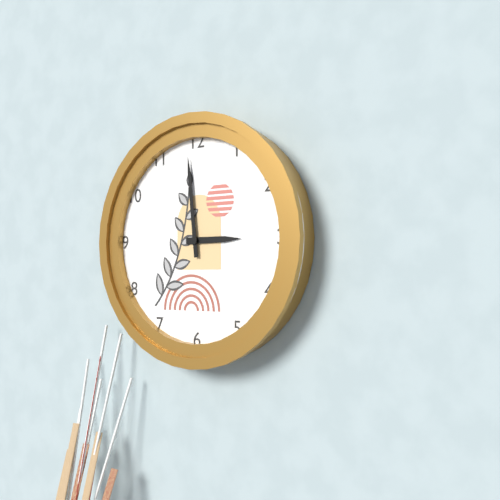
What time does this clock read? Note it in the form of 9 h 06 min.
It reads 2 h 59 min
